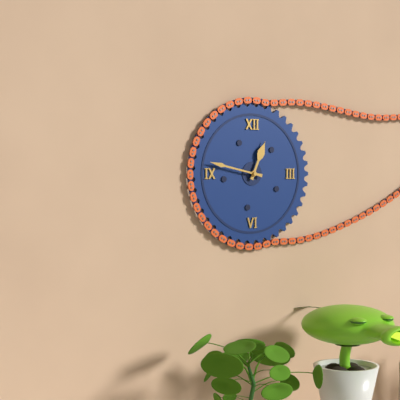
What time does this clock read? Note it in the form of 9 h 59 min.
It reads 12 h 47 min
